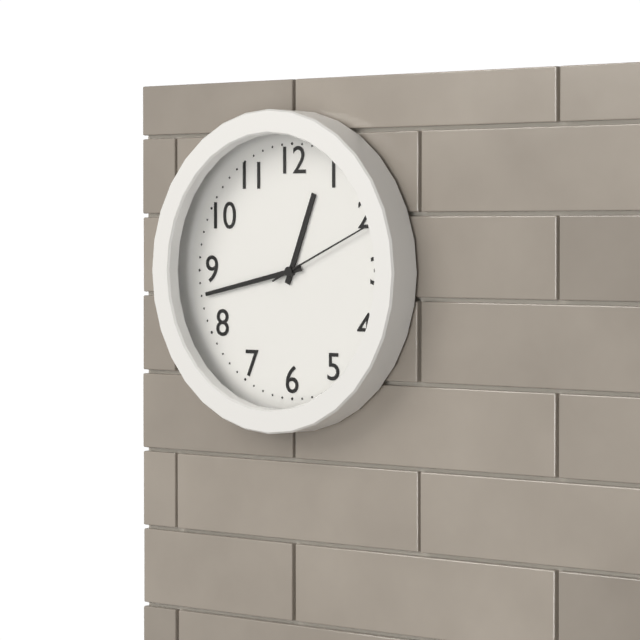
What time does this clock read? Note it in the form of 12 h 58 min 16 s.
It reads 12 h 43 min 11 s
